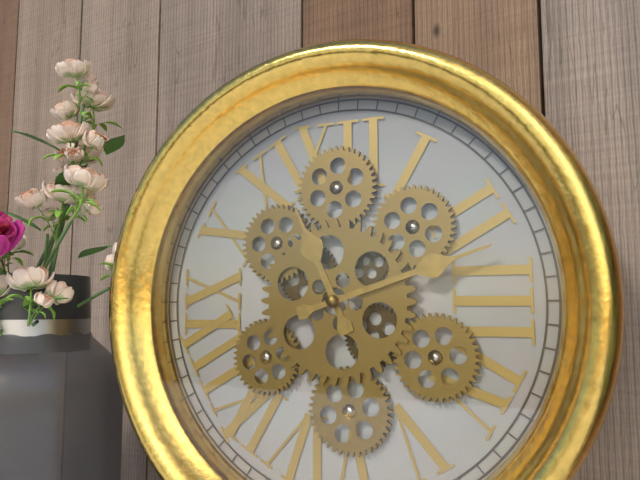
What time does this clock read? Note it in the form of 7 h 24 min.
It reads 11 h 12 min
